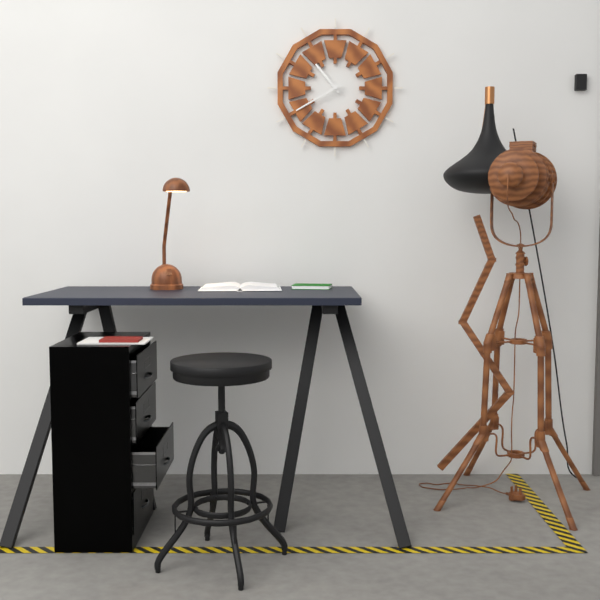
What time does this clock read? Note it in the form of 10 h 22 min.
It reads 10 h 40 min
